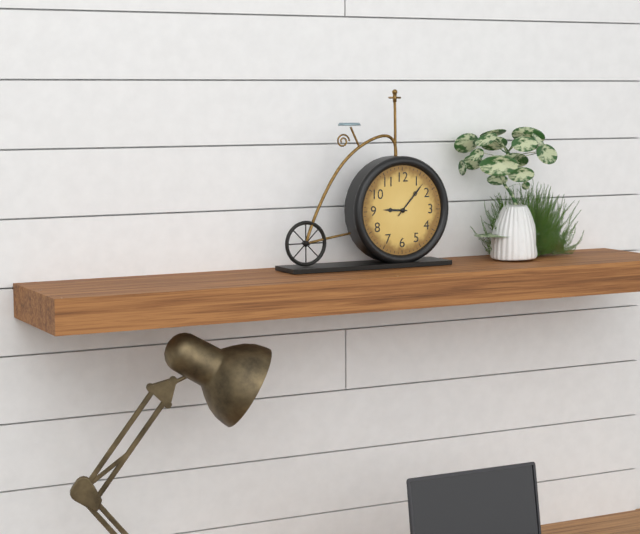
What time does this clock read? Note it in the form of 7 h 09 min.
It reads 9 h 07 min
